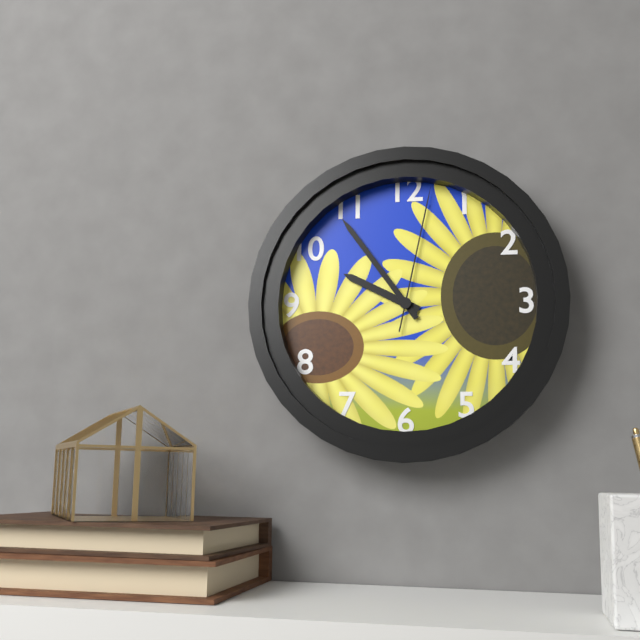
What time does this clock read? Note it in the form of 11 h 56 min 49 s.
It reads 9 h 54 min 02 s
